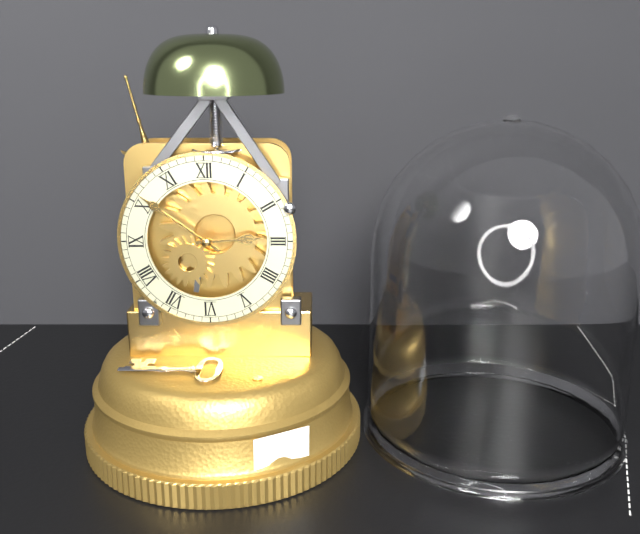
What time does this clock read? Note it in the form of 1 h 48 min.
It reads 2 h 51 min
